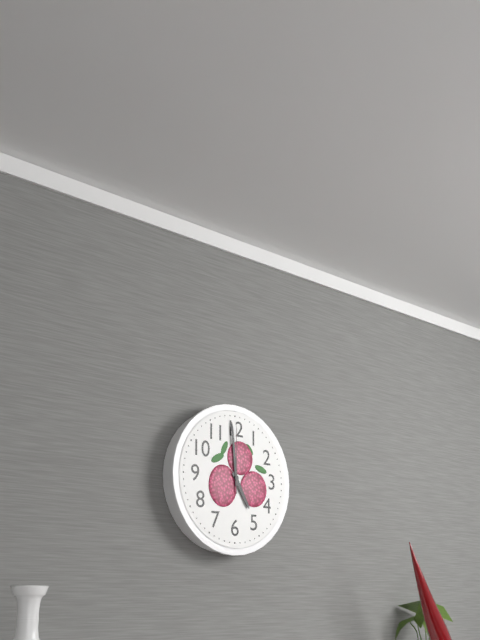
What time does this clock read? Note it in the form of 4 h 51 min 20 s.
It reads 4 h 59 min 00 s
